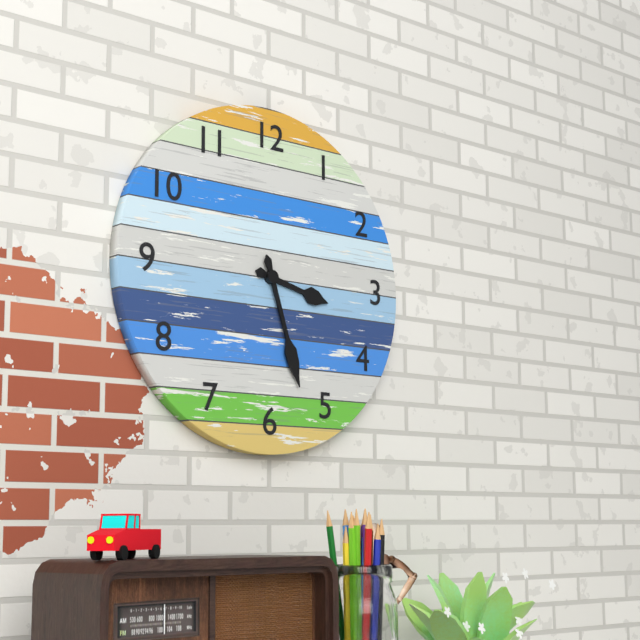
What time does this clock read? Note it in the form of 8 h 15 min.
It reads 3 h 27 min
